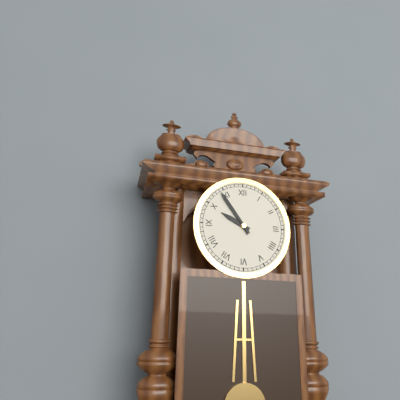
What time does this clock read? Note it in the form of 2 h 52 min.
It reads 9 h 54 min
